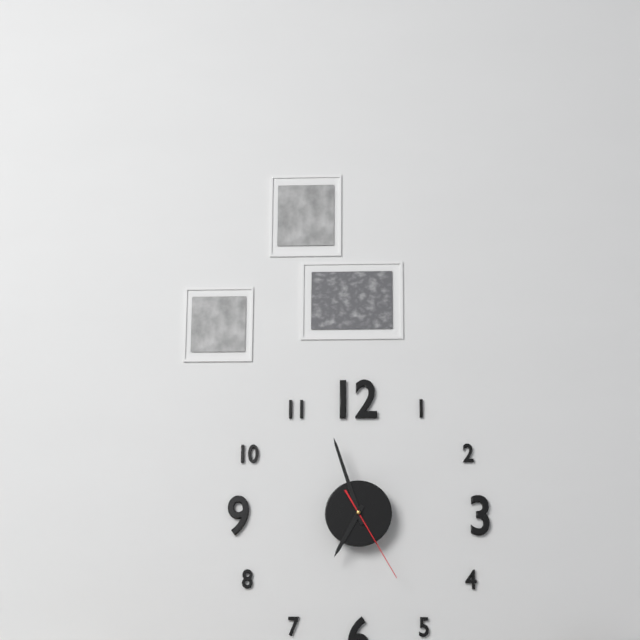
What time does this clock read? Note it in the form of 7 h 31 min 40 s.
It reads 6 h 57 min 25 s
